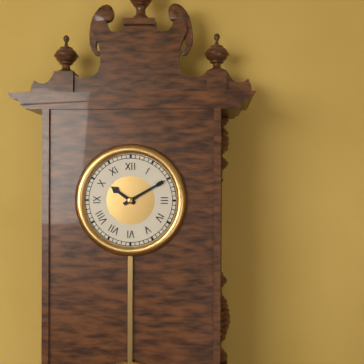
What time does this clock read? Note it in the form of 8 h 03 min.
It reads 10 h 10 min
